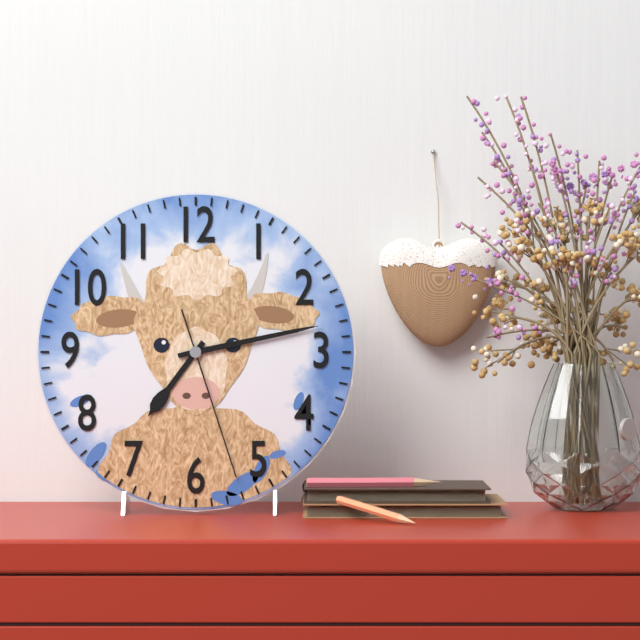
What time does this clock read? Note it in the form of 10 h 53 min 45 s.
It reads 7 h 13 min 27 s
